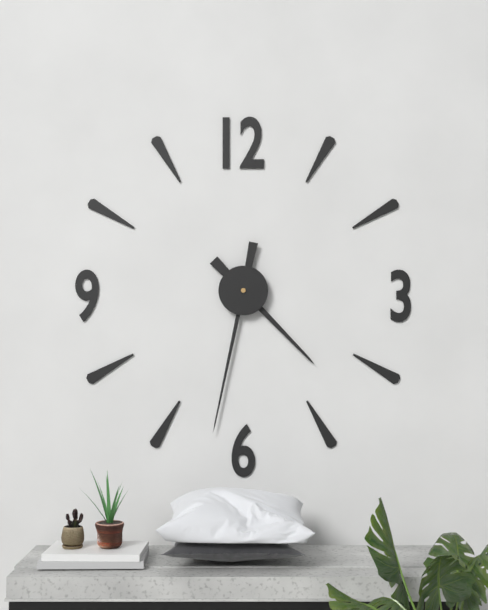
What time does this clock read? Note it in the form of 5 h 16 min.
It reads 4 h 32 min
